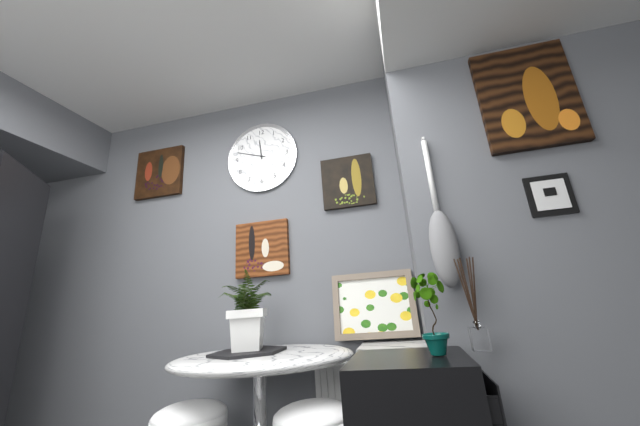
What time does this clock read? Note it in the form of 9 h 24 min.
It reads 11 h 48 min
